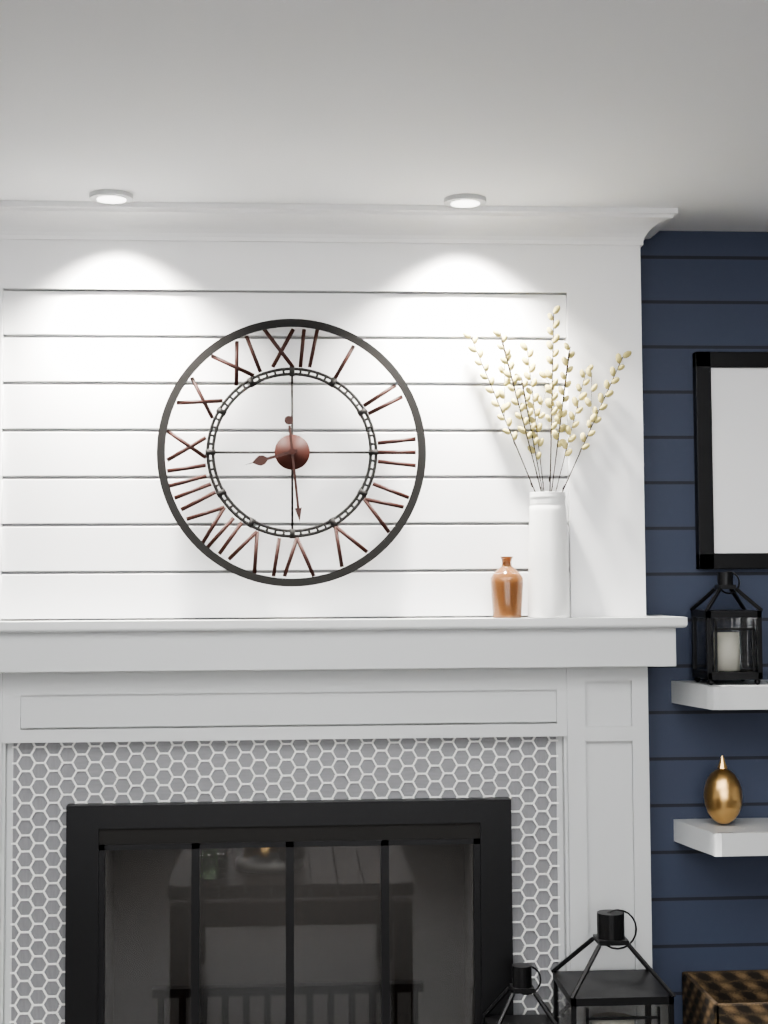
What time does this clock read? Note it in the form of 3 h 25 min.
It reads 8 h 29 min
